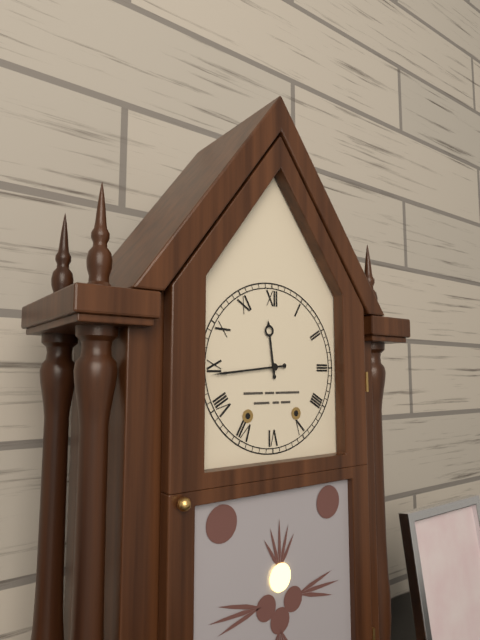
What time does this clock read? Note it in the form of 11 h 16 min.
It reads 11 h 44 min
